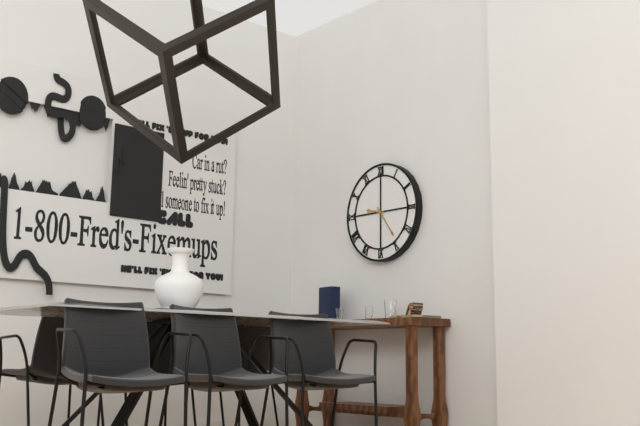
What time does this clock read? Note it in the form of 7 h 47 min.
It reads 9 h 24 min
